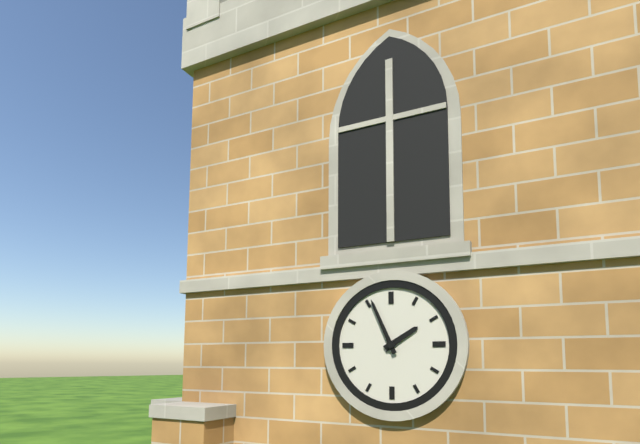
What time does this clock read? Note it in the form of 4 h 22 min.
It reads 1 h 56 min
